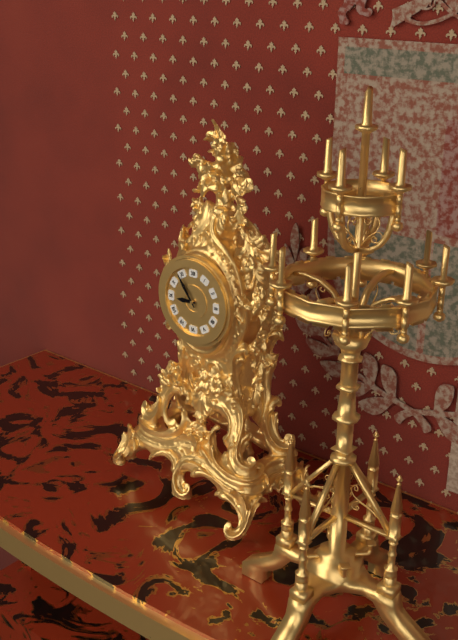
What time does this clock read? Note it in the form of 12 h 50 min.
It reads 8 h 54 min
